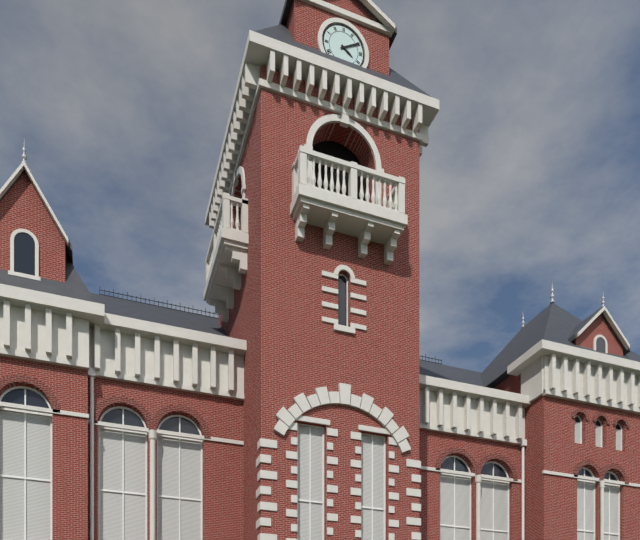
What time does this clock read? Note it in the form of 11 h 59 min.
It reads 4 h 10 min
